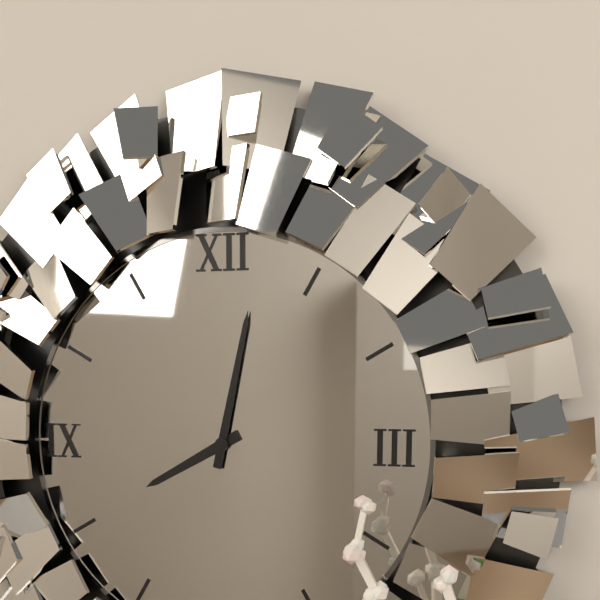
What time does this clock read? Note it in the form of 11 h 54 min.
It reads 8 h 02 min
